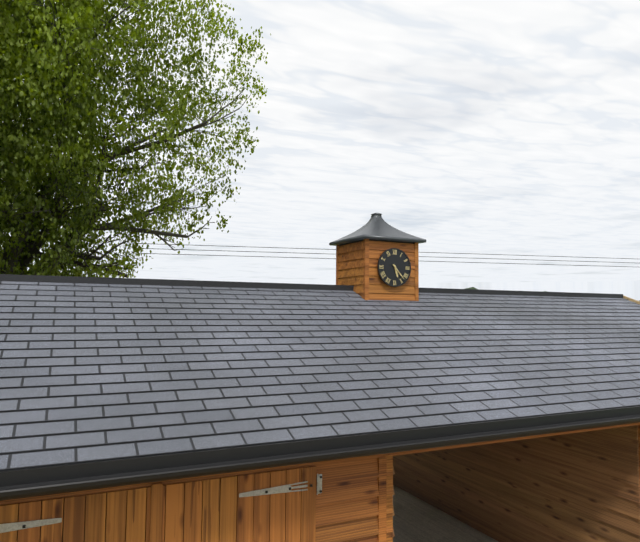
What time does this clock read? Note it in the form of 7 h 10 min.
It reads 5 h 23 min
